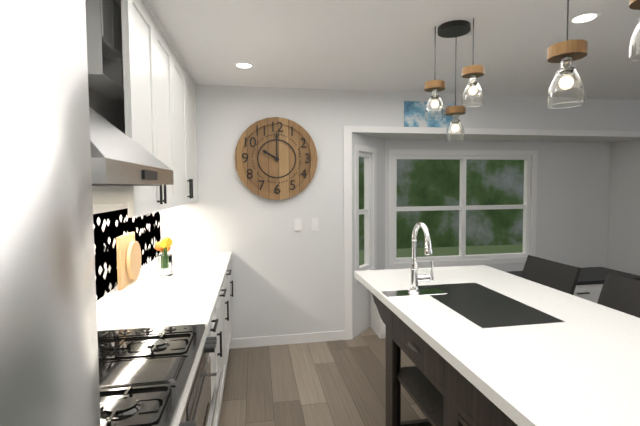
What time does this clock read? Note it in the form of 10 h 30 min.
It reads 10 h 00 min
